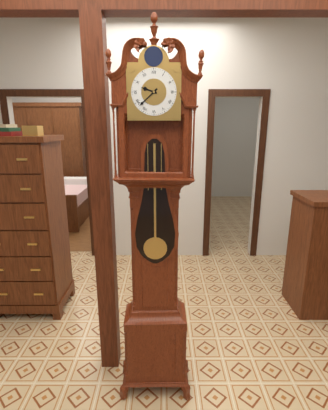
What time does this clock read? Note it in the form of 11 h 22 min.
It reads 9 h 38 min
